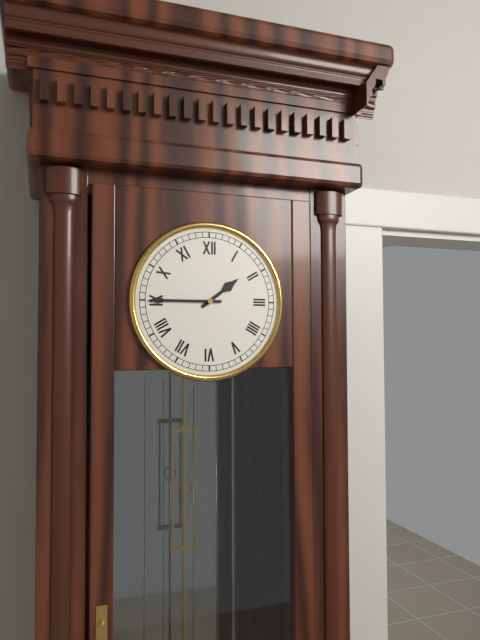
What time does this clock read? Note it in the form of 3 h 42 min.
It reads 1 h 45 min
